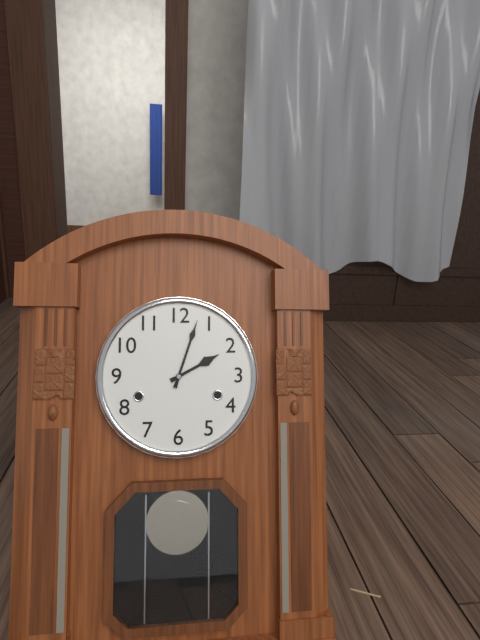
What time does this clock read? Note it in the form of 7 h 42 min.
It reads 2 h 03 min
